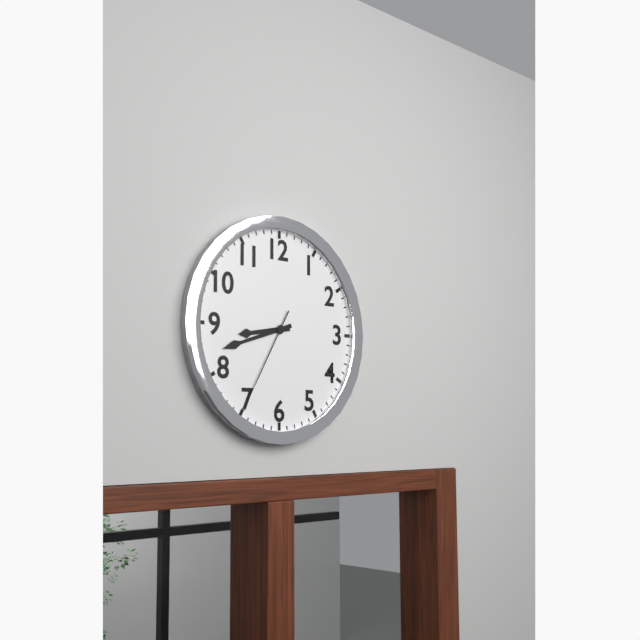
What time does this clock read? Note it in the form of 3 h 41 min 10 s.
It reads 8 h 42 min 35 s
